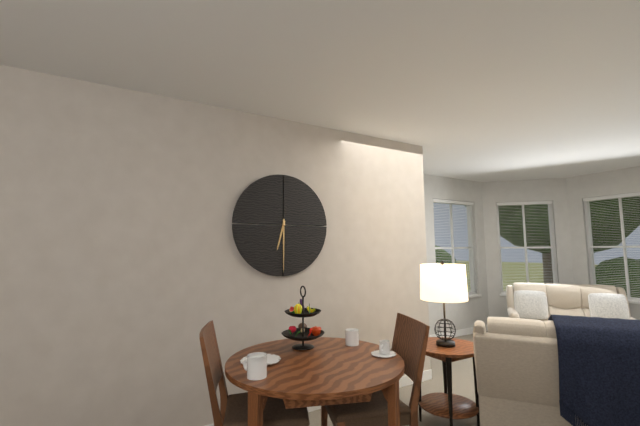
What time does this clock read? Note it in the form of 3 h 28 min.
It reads 6 h 30 min
